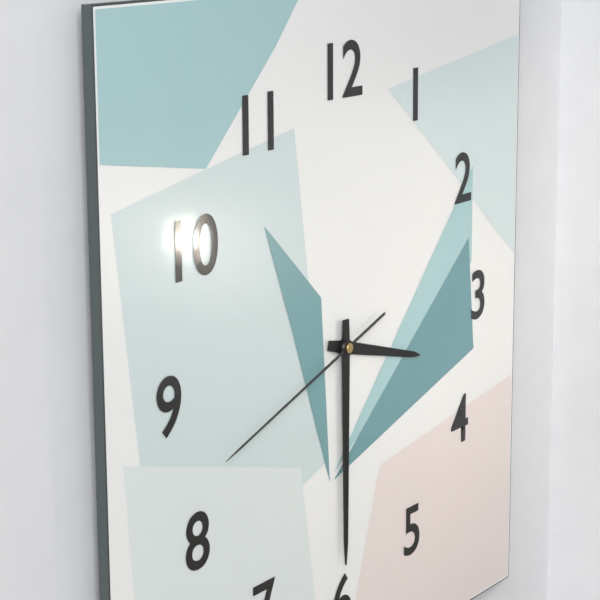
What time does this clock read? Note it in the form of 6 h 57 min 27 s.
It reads 3 h 30 min 42 s
